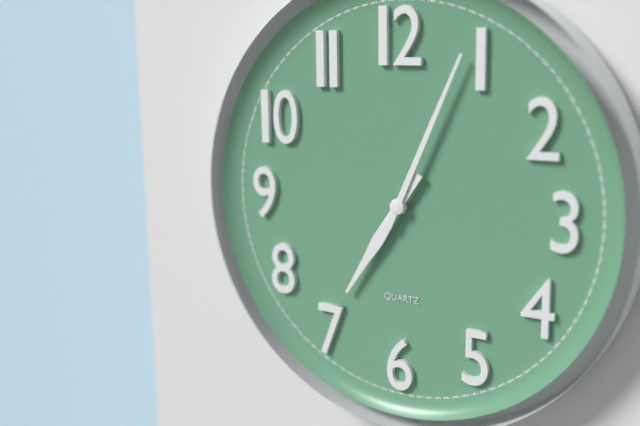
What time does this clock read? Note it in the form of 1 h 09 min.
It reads 7 h 04 min
